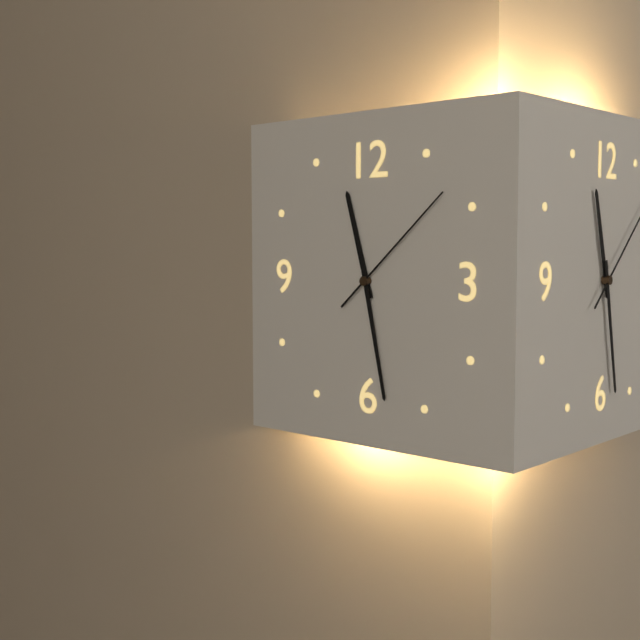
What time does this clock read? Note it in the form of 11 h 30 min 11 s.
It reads 11 h 28 min 08 s
